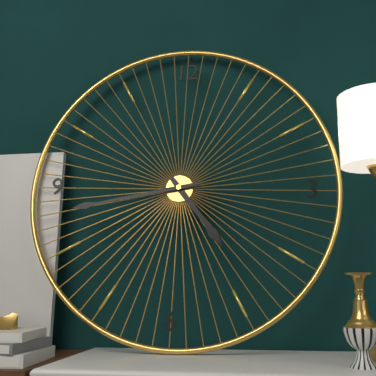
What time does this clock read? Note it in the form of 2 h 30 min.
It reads 4 h 43 min
